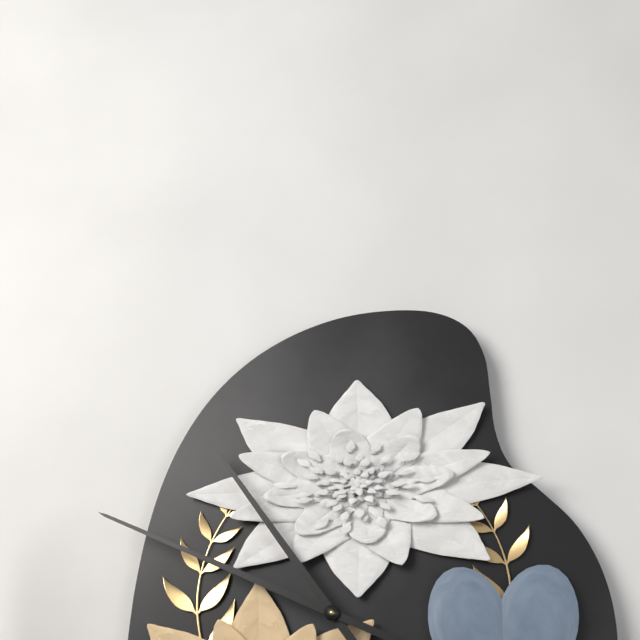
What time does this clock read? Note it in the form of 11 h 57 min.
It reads 10 h 49 min
